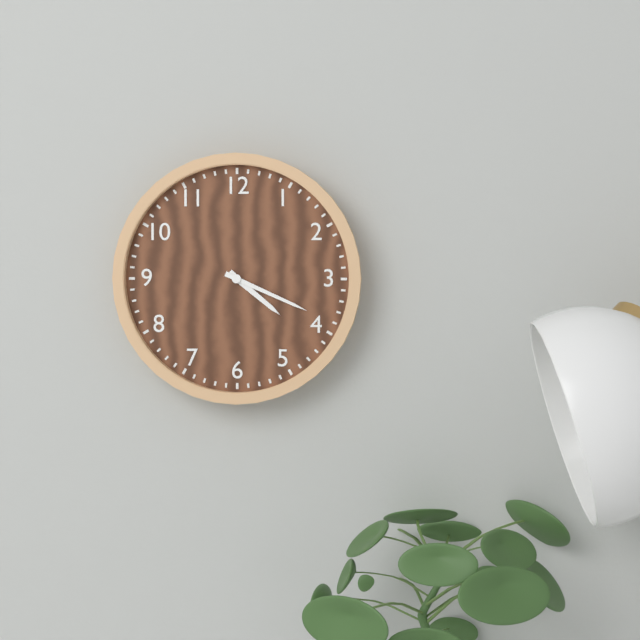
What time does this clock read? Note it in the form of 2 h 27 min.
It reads 4 h 19 min
